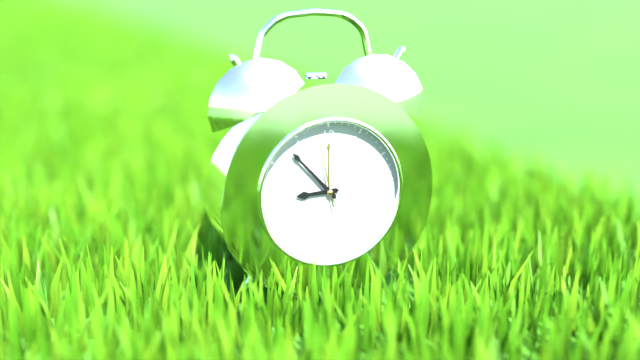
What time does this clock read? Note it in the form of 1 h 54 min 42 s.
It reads 8 h 53 min 58 s
